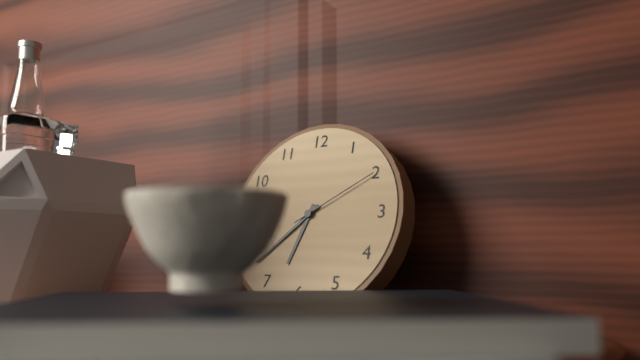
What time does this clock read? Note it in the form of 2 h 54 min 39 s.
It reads 6 h 38 min 10 s
